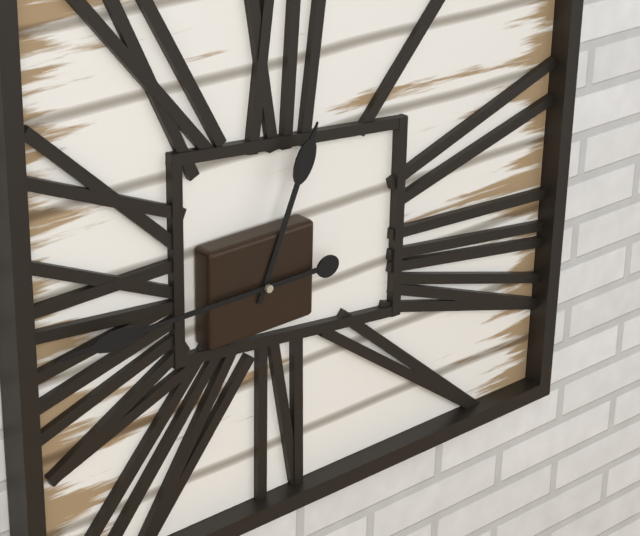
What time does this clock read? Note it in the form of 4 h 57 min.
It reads 12 h 45 min
